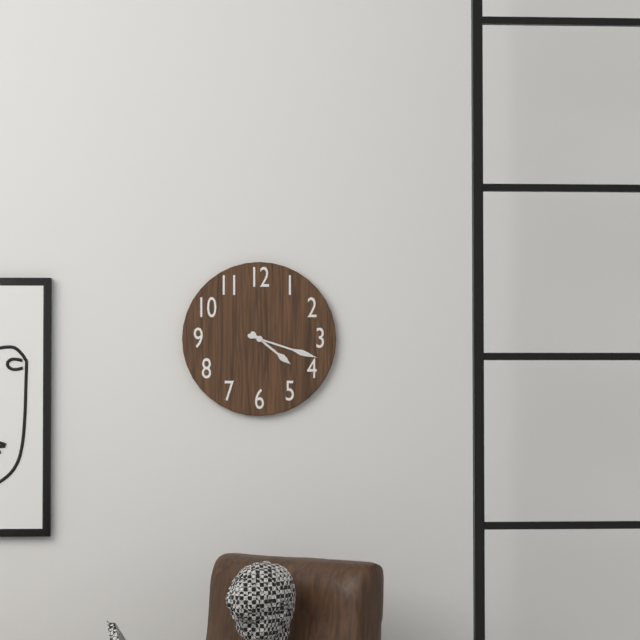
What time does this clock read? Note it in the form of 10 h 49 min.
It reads 4 h 18 min
